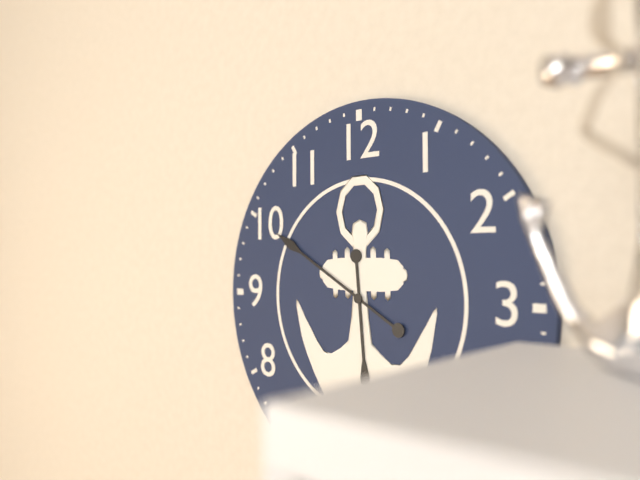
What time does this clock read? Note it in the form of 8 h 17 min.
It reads 5 h 50 min
